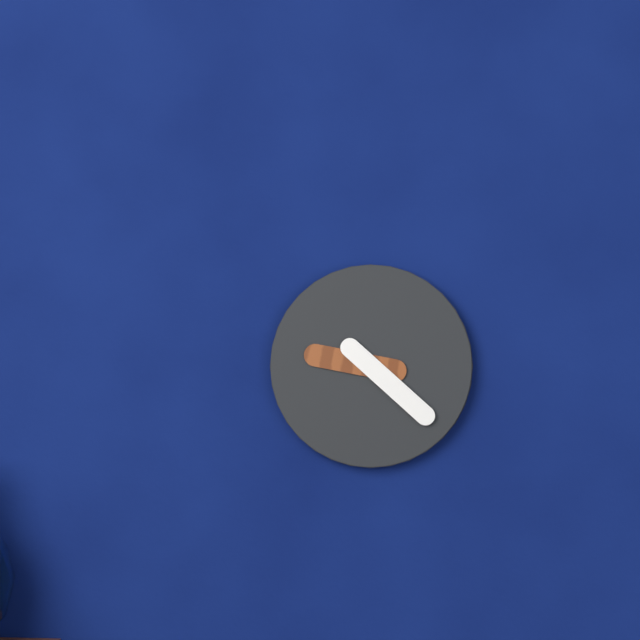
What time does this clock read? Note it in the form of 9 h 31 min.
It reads 9 h 22 min
